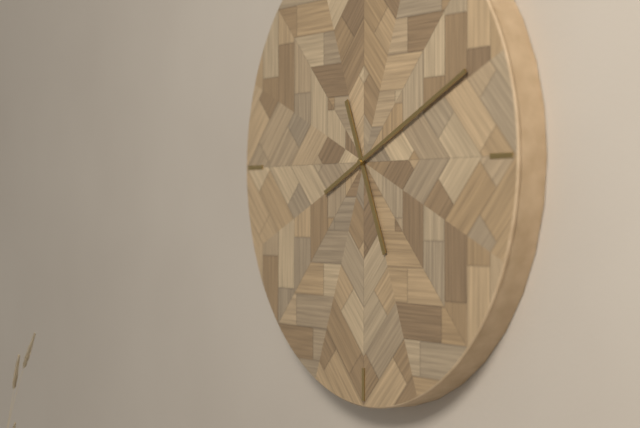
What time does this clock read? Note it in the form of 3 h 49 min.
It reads 5 h 11 min
